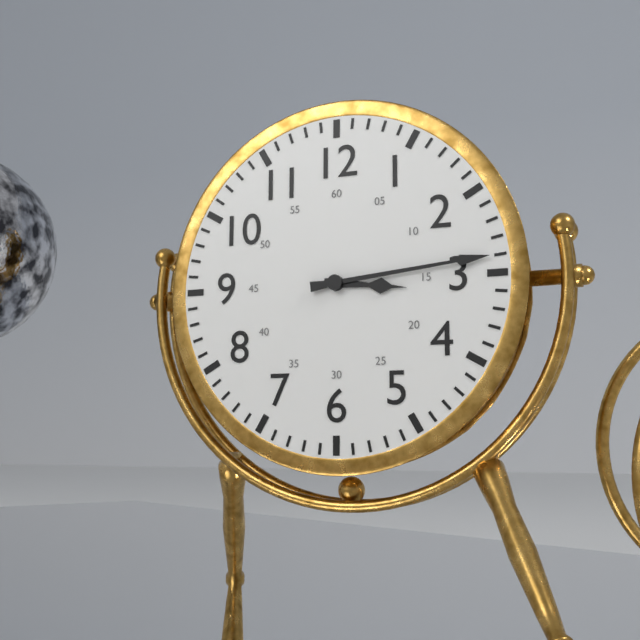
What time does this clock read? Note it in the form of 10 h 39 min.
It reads 3 h 14 min
